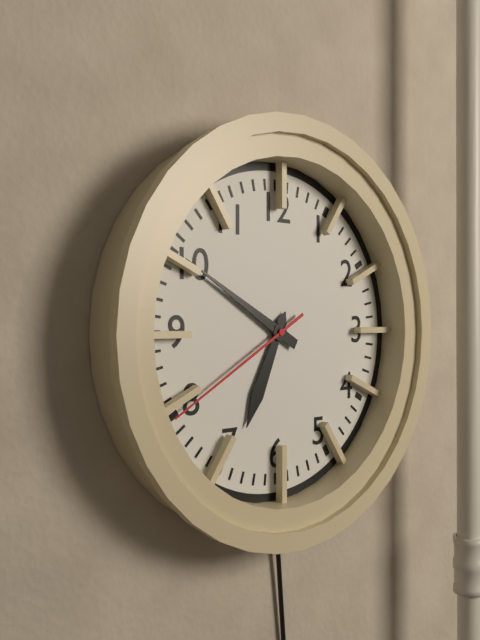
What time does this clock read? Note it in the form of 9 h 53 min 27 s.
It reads 6 h 50 min 40 s
